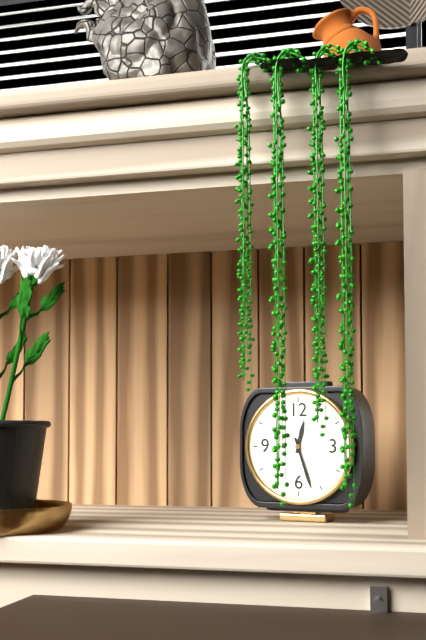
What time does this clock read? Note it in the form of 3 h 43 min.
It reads 12 h 27 min
